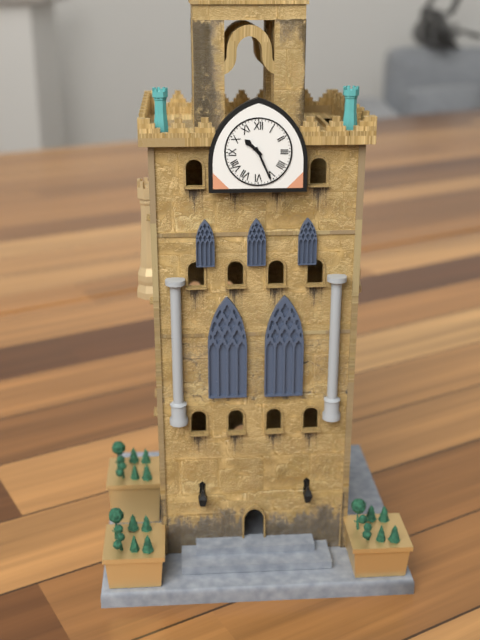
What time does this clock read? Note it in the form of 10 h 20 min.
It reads 10 h 26 min
